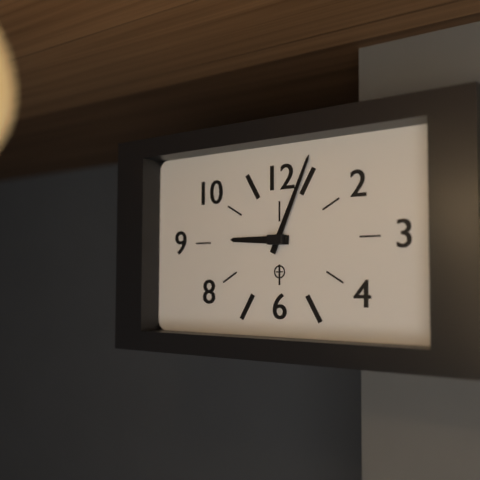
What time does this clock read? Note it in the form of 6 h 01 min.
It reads 9 h 04 min
